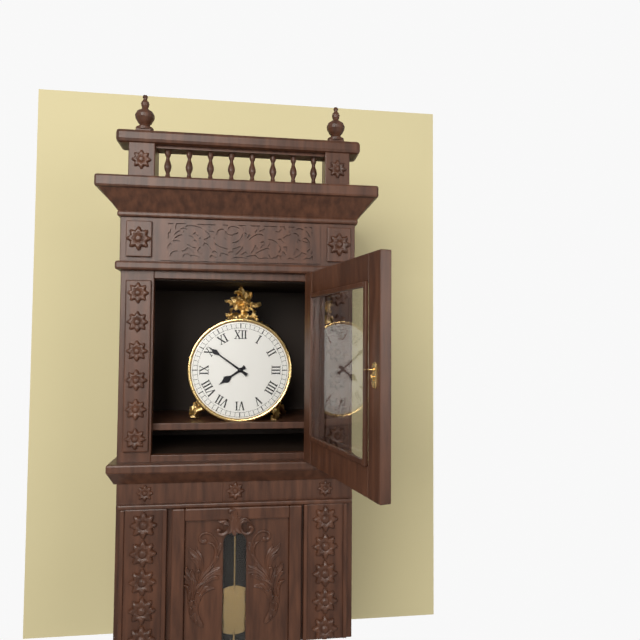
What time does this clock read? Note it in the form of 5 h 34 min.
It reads 7 h 51 min
